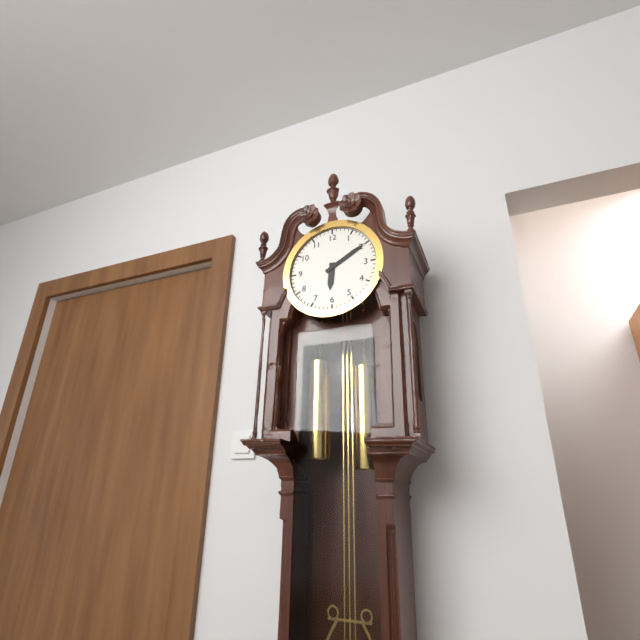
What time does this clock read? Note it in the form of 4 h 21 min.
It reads 6 h 10 min
